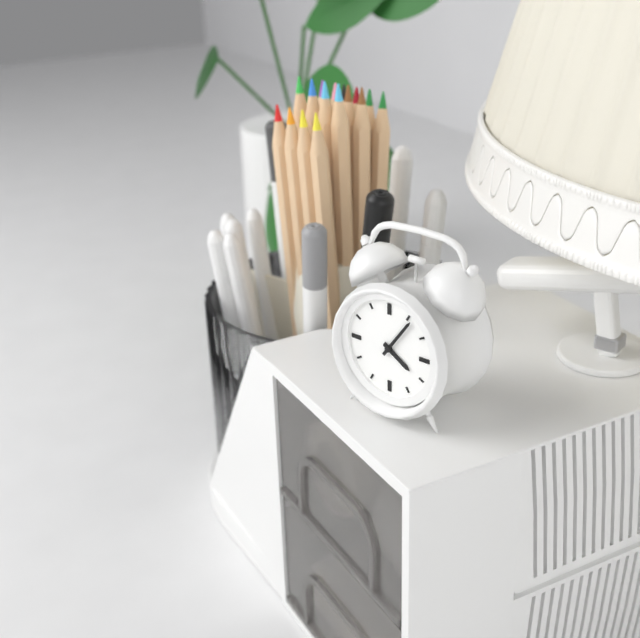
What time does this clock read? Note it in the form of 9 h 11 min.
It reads 4 h 06 min
